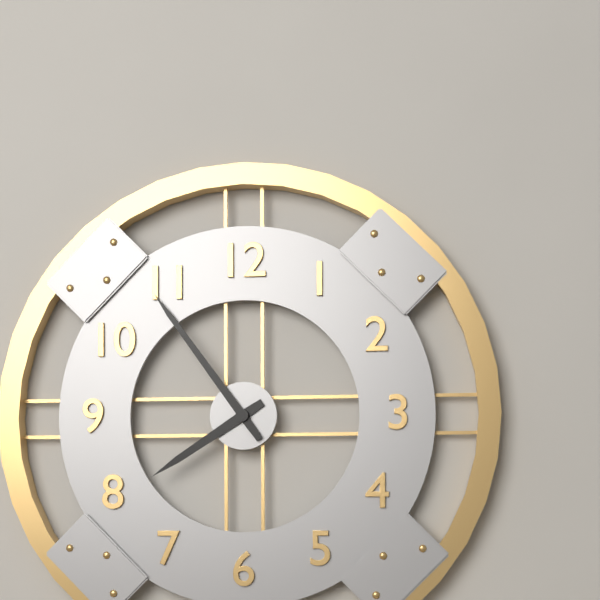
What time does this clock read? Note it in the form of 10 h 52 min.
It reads 7 h 54 min
